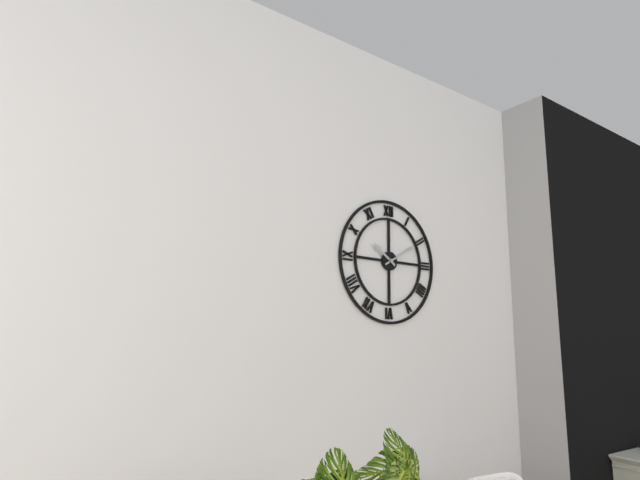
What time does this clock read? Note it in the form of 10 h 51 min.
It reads 10 h 10 min
